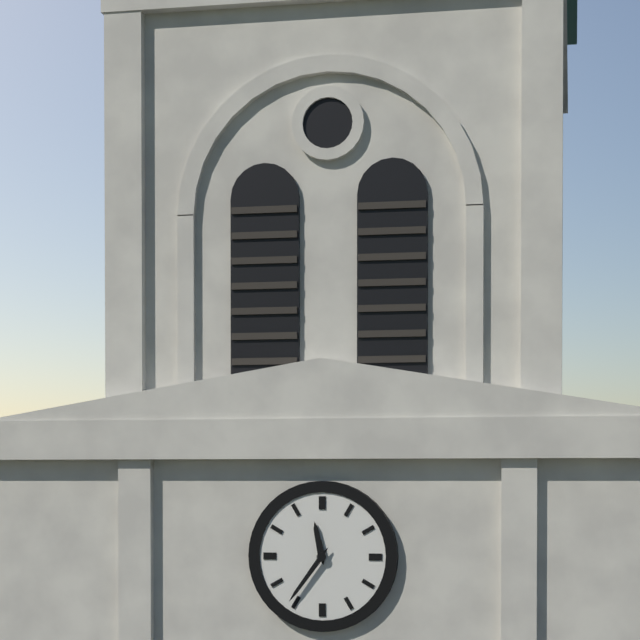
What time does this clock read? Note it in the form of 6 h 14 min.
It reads 11 h 36 min
